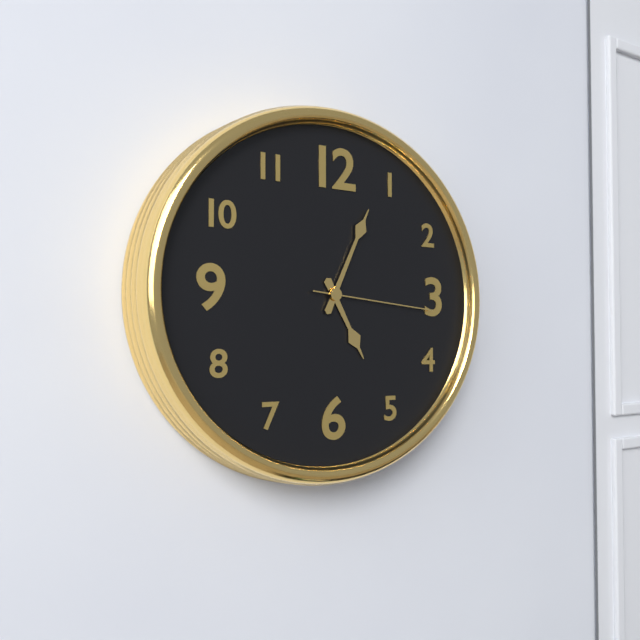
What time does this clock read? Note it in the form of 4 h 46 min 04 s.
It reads 5 h 04 min 16 s
